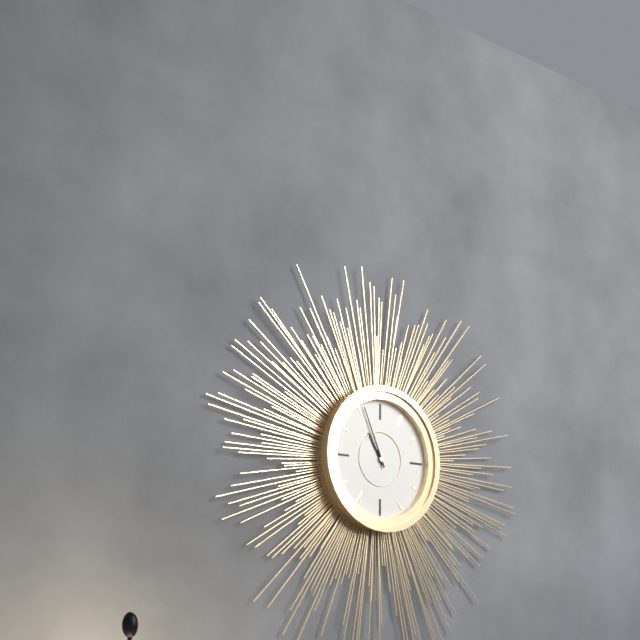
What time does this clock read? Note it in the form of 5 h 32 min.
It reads 10 h 56 min
